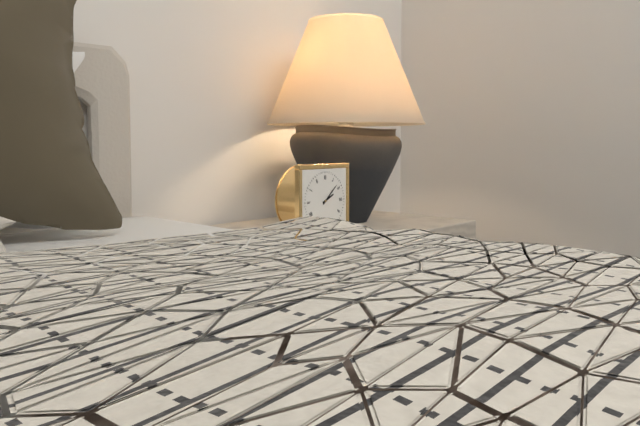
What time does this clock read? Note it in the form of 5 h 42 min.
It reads 2 h 08 min
